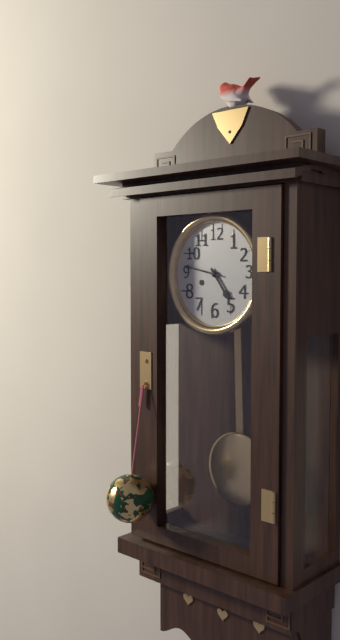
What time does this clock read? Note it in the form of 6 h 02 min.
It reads 4 h 47 min
